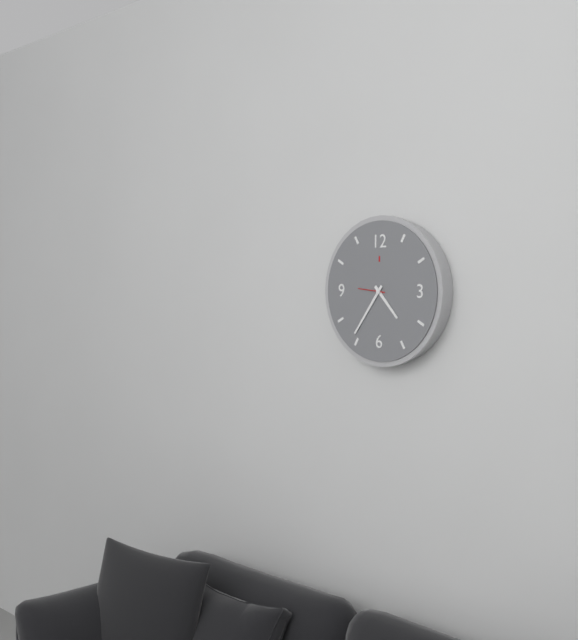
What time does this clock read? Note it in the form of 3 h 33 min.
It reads 4 h 36 min
